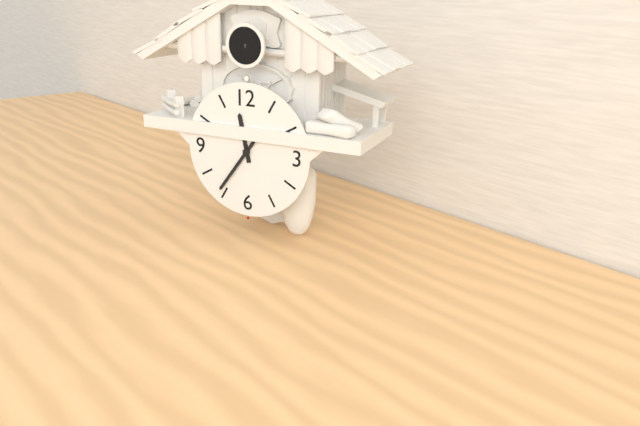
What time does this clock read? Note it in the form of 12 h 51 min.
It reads 11 h 36 min
